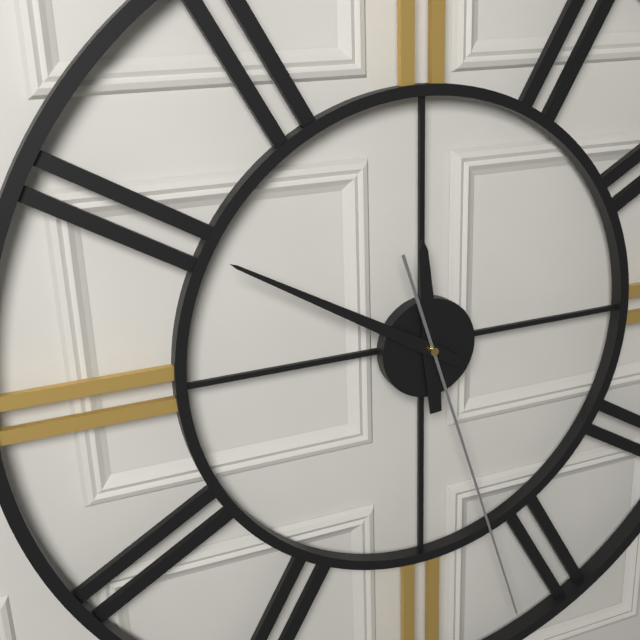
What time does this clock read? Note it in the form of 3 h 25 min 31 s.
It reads 11 h 50 min 27 s
